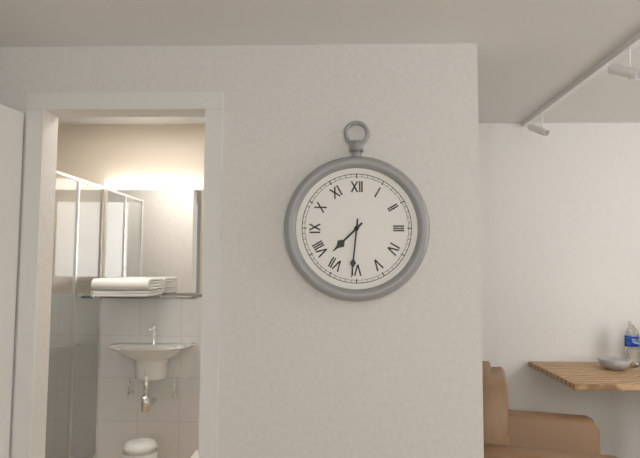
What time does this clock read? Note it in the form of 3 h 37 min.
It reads 7 h 31 min
